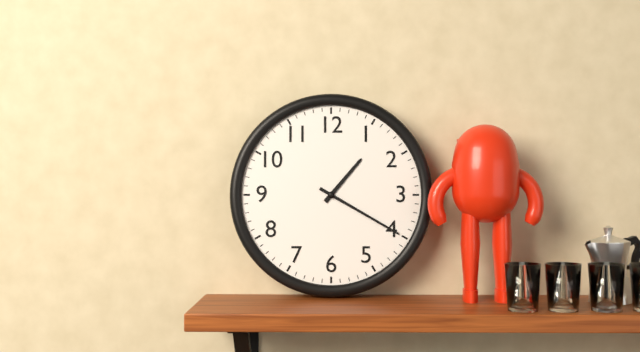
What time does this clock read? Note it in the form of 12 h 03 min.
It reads 1 h 20 min
